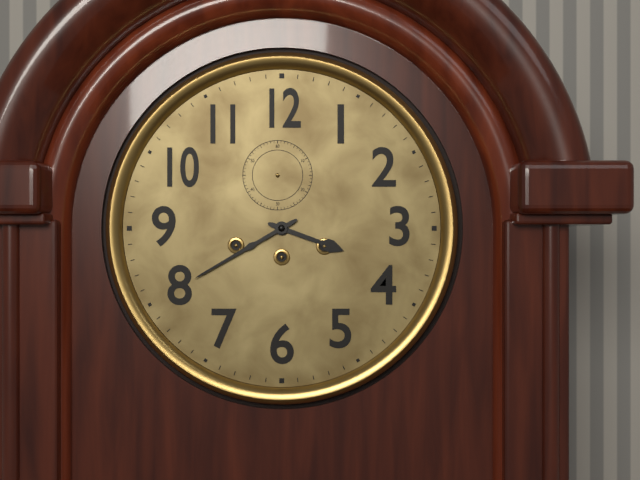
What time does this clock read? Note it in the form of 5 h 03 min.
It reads 3 h 40 min
